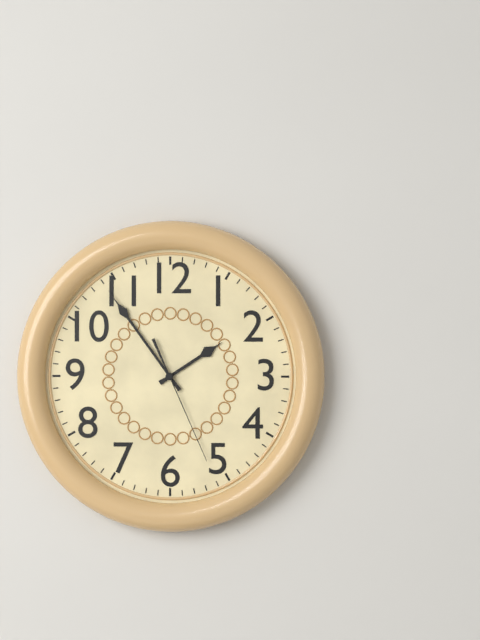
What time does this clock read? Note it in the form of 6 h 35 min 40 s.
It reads 1 h 54 min 26 s
